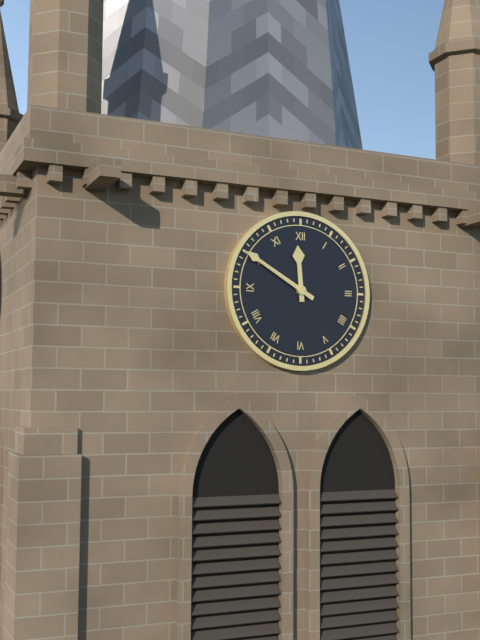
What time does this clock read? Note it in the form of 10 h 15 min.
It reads 11 h 50 min
